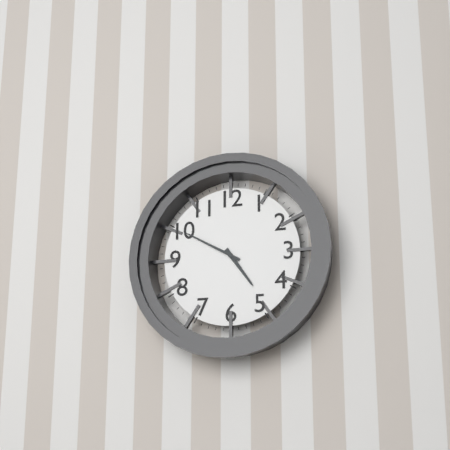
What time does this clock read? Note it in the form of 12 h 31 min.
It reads 4 h 50 min
